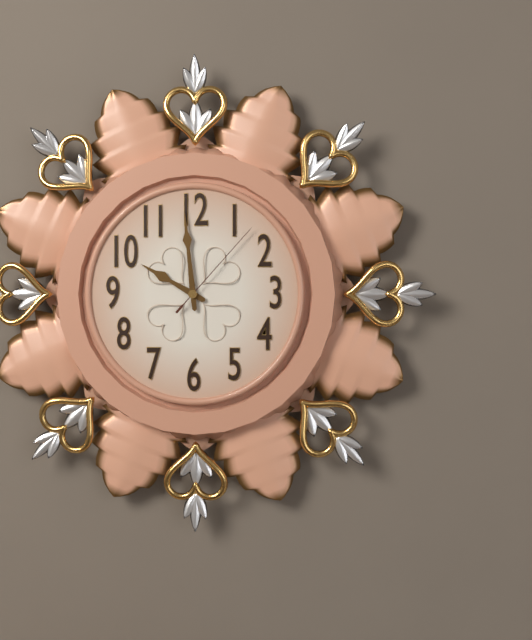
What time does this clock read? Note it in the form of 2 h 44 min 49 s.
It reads 9 h 59 min 07 s
